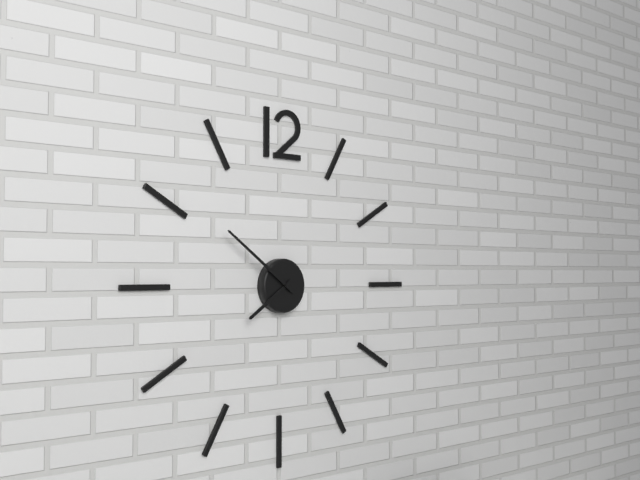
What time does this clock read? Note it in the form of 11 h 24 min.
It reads 7 h 51 min
